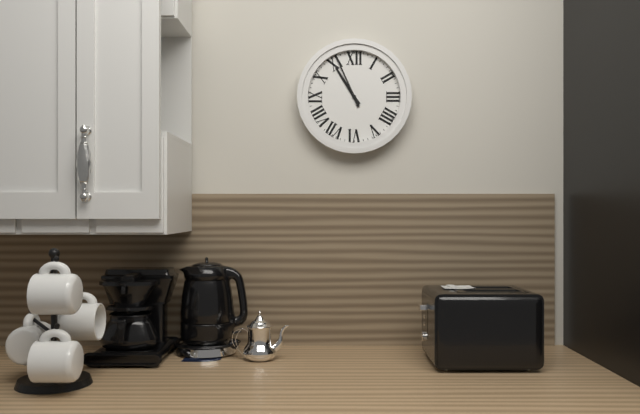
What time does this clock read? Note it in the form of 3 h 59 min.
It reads 10 h 56 min
